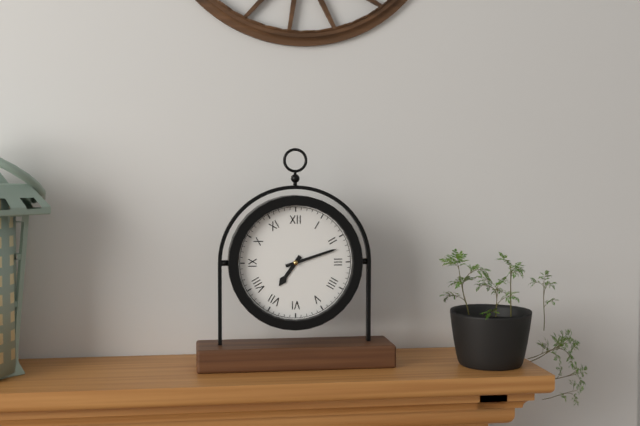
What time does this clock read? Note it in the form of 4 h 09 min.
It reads 7 h 12 min
